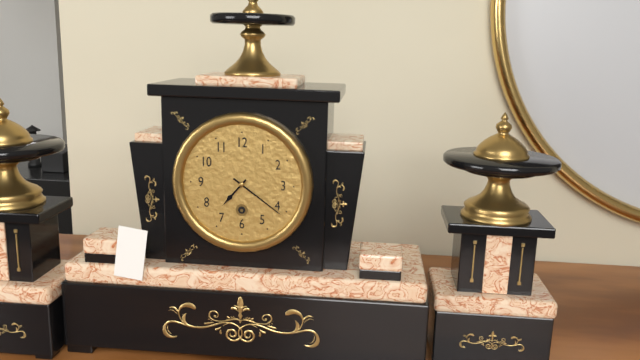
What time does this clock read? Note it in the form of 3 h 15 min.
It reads 7 h 21 min
